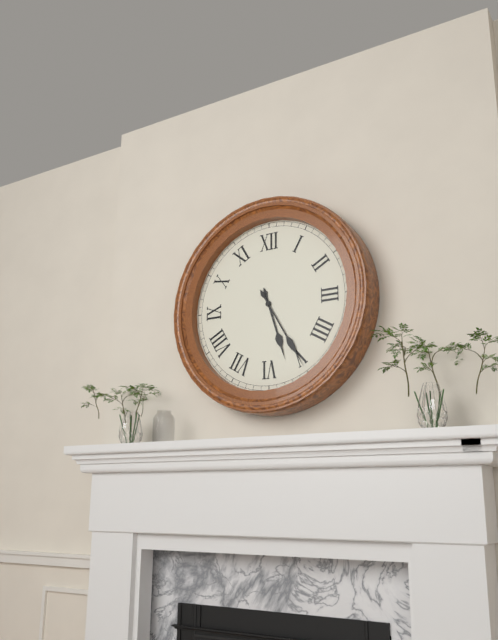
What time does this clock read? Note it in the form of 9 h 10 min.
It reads 5 h 25 min
